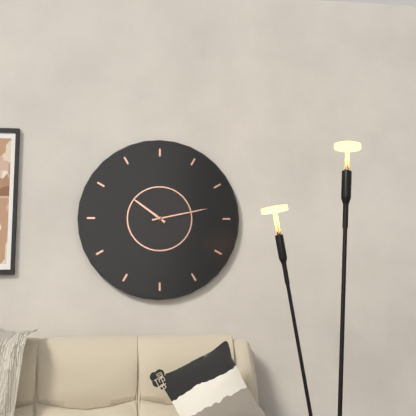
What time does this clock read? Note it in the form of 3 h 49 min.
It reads 10 h 13 min
